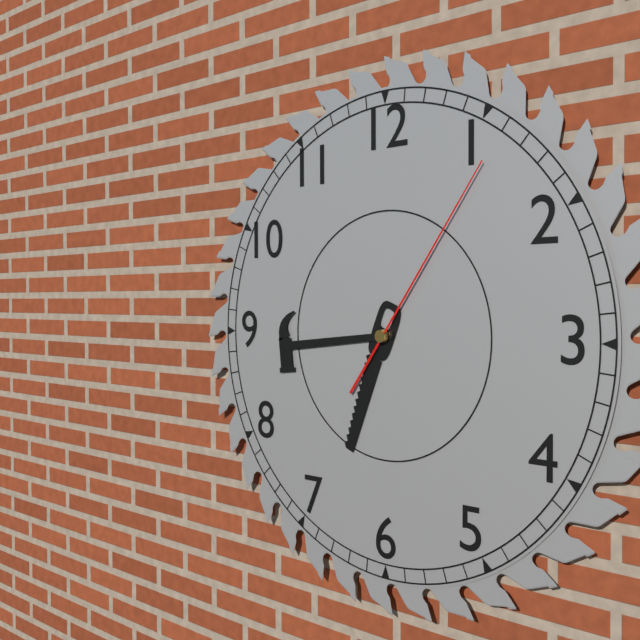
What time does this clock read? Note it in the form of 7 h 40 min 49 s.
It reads 6 h 44 min 06 s
